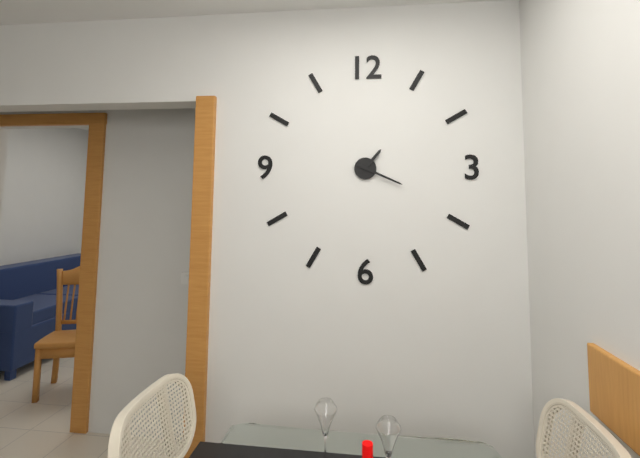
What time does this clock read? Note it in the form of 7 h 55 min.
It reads 1 h 19 min
